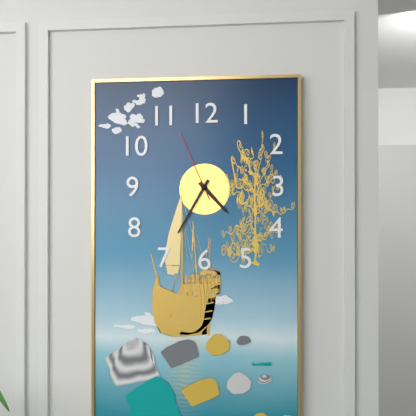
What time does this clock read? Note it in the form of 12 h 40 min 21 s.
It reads 4 h 35 min 56 s
